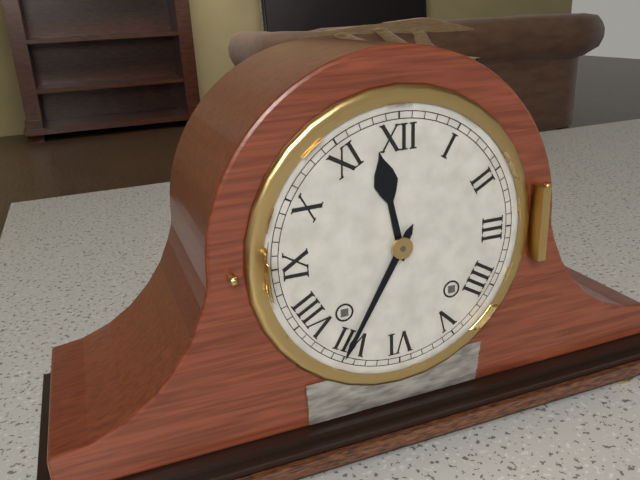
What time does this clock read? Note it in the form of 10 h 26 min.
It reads 11 h 35 min
